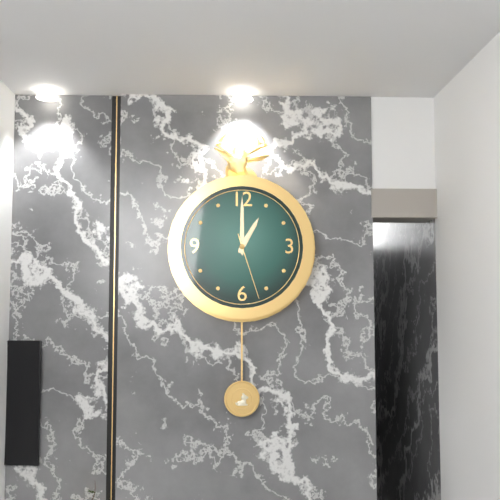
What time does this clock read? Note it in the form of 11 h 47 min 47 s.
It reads 1 h 00 min 27 s
